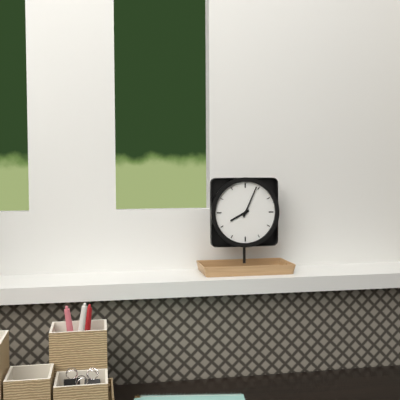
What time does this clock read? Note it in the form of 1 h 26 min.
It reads 8 h 04 min
